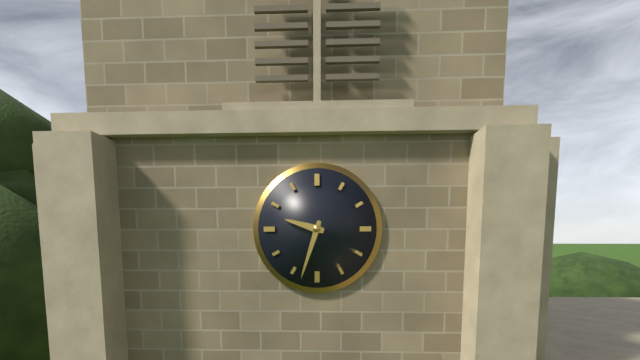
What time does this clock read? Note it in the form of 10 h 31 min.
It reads 9 h 33 min
